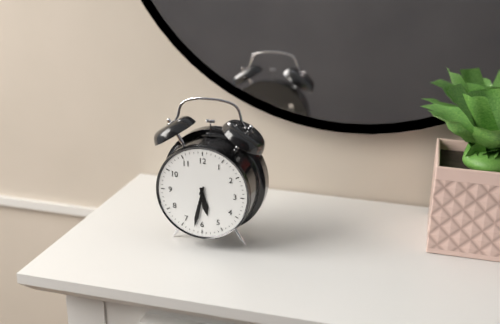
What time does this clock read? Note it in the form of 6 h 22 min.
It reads 5 h 32 min
